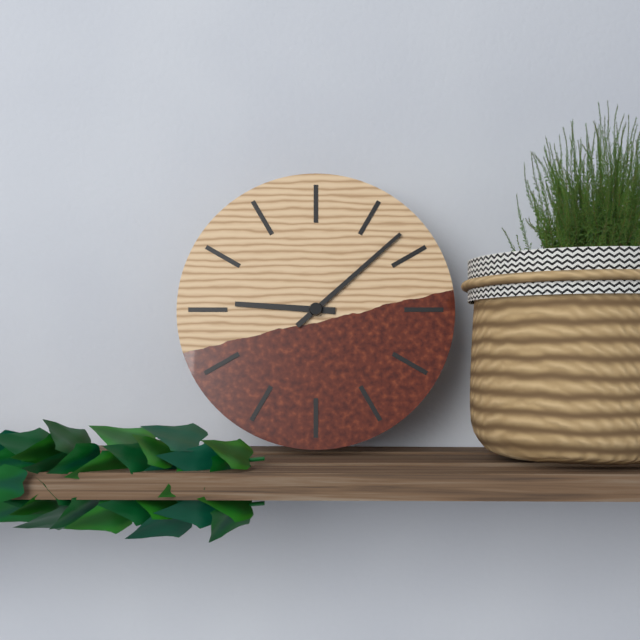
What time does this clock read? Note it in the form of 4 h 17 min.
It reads 9 h 08 min
